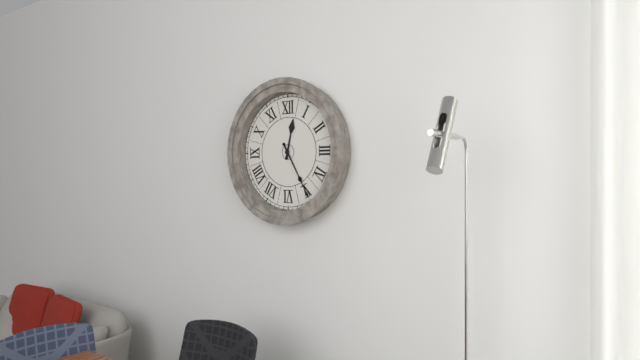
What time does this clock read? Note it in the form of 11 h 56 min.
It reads 12 h 25 min
